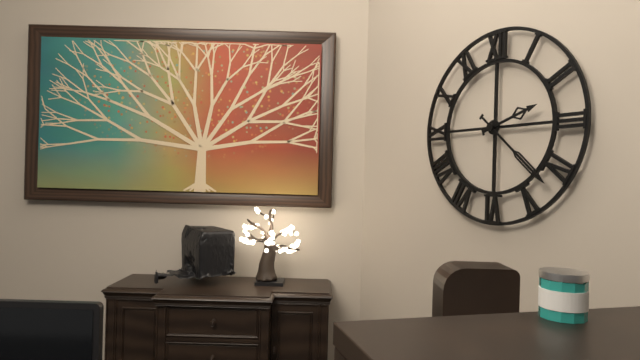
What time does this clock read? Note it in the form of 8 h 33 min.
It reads 2 h 22 min
